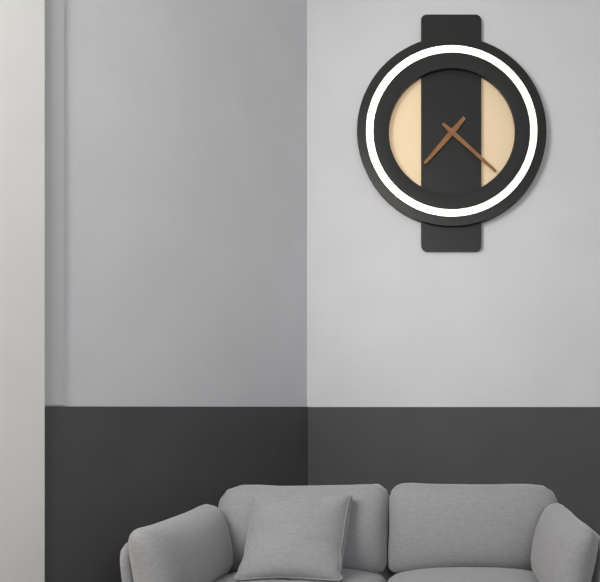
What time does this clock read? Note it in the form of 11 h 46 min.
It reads 7 h 22 min
